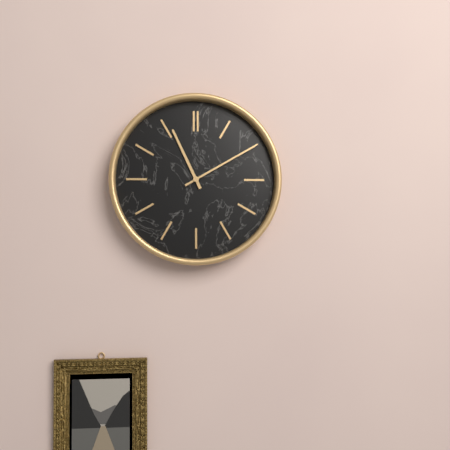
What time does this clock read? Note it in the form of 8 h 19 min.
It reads 11 h 10 min
